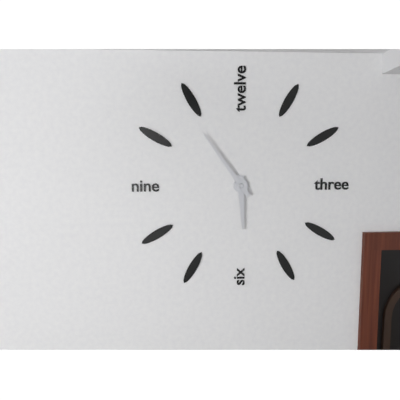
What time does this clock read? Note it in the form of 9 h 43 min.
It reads 5 h 54 min
